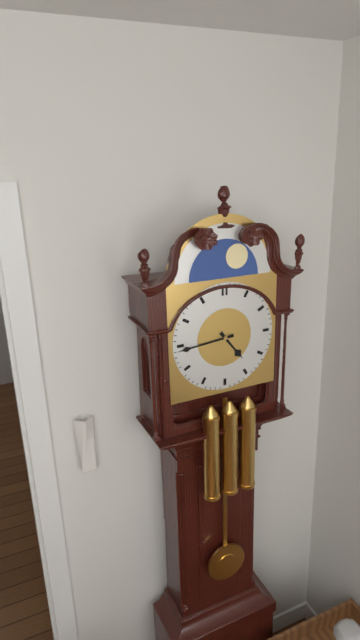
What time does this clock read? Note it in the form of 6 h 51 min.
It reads 4 h 44 min
